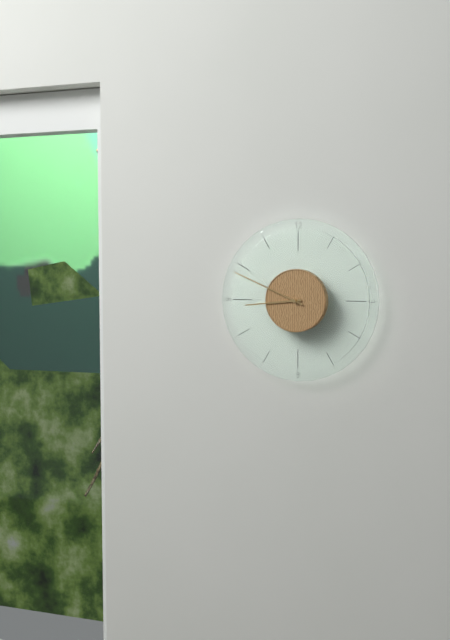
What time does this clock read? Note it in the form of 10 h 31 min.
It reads 8 h 49 min
